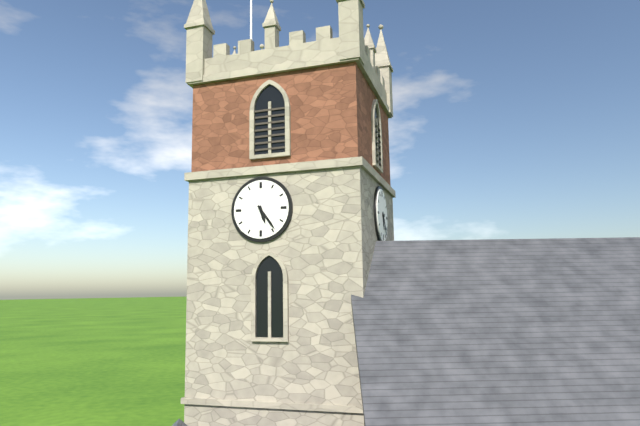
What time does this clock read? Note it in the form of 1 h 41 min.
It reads 5 h 24 min
